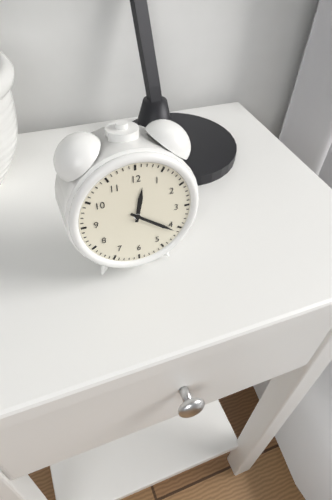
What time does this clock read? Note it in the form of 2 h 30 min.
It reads 12 h 21 min
